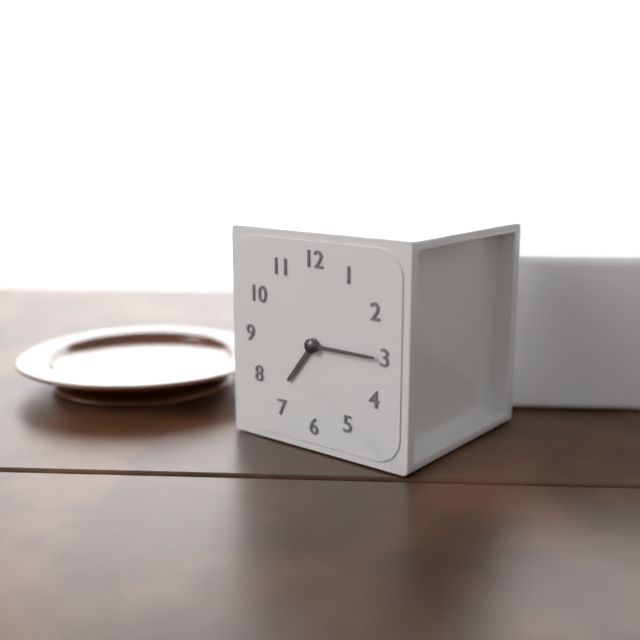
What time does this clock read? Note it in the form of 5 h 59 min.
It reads 7 h 15 min
